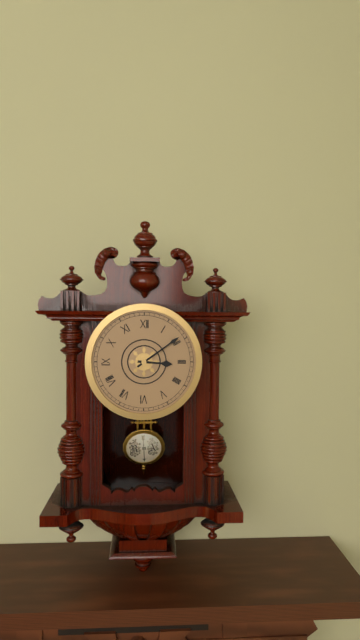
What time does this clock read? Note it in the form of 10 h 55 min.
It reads 3 h 09 min
